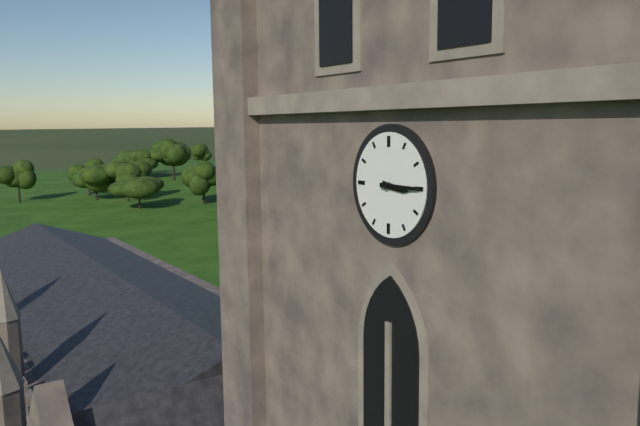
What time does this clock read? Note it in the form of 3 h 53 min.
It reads 3 h 15 min
